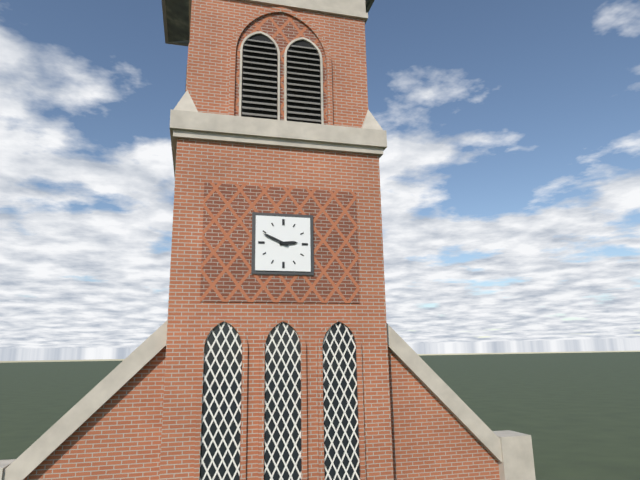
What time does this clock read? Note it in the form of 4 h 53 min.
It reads 2 h 49 min
